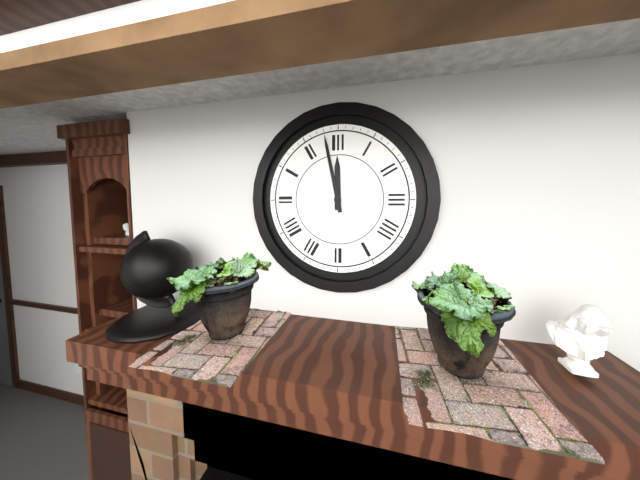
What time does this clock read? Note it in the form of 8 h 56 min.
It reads 11 h 58 min
